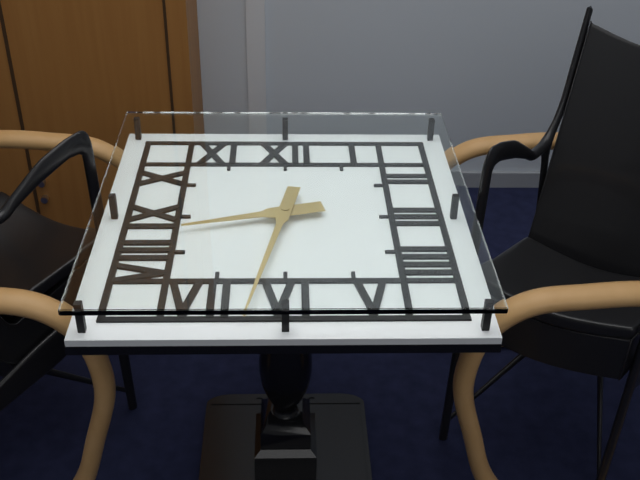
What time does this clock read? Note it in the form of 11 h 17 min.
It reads 8 h 32 min
